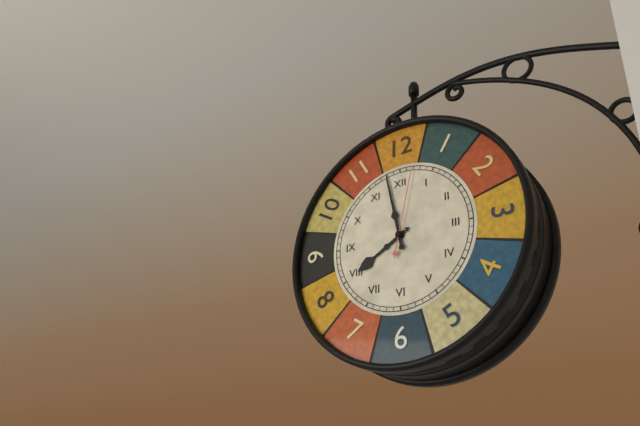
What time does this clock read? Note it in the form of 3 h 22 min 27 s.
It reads 7 h 58 min 02 s
